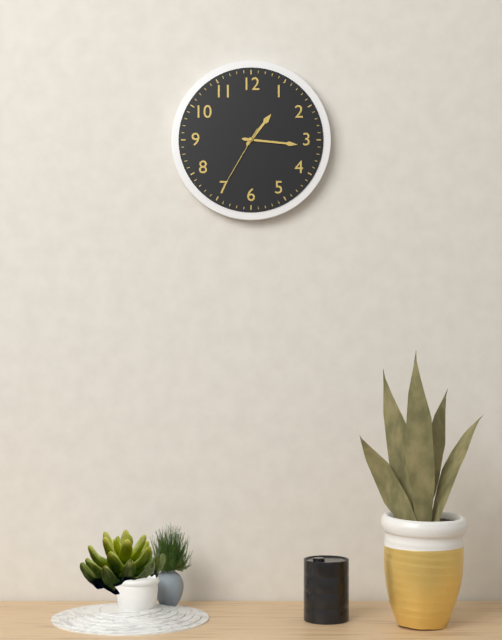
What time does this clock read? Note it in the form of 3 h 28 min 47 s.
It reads 1 h 16 min 35 s
